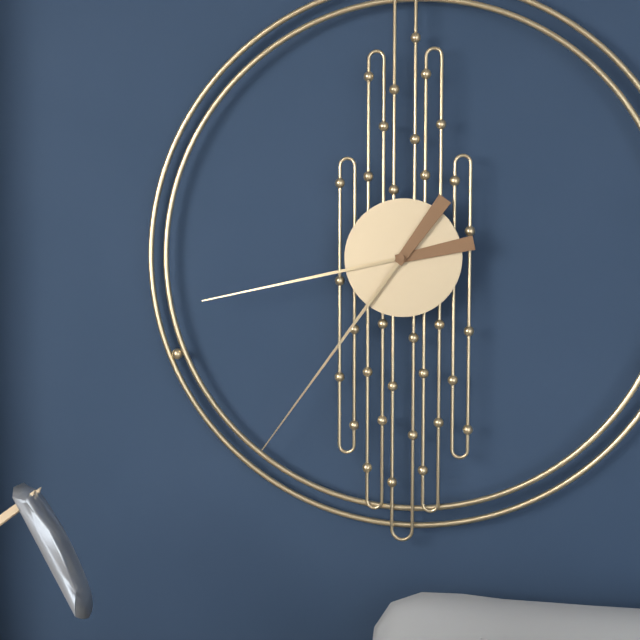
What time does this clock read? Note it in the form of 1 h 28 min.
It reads 8 h 36 min
